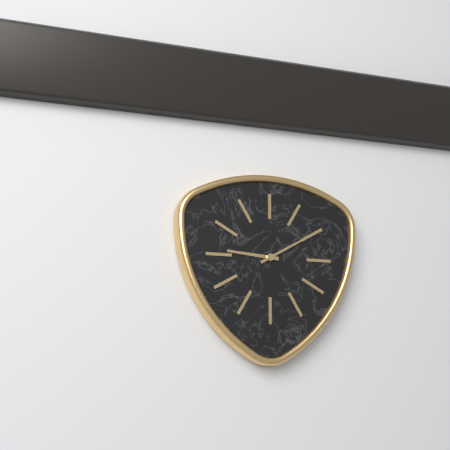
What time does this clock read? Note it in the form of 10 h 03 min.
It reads 9 h 10 min
